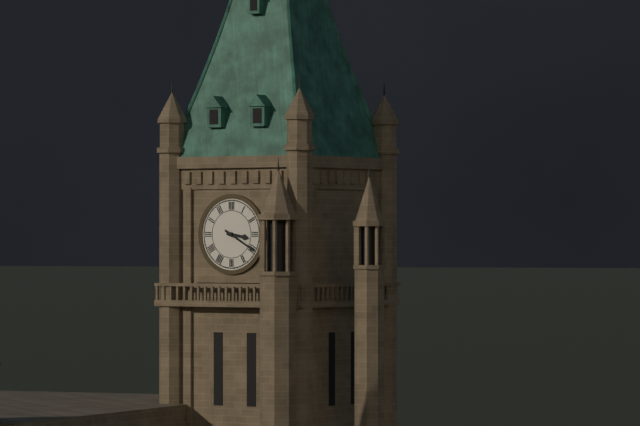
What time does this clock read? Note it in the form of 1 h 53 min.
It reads 3 h 20 min
